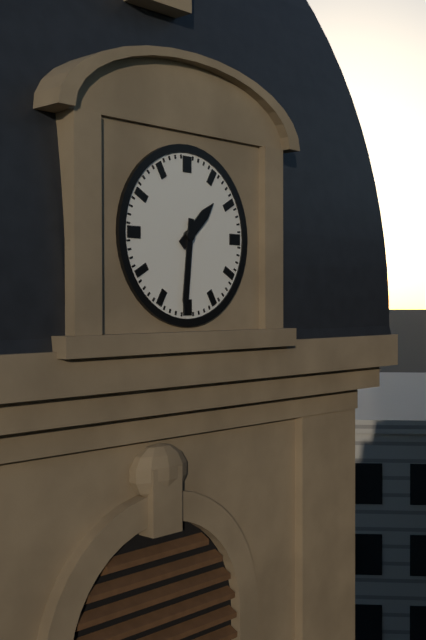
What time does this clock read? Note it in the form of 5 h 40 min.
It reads 1 h 31 min
